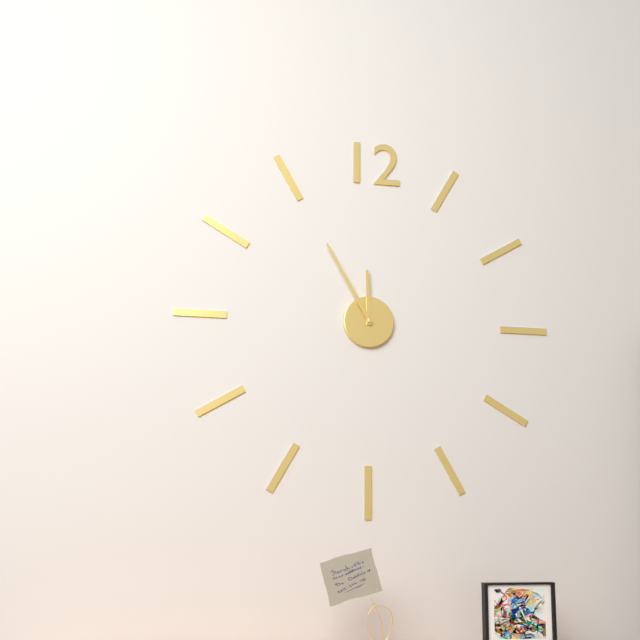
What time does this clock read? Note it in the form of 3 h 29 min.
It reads 11 h 55 min
